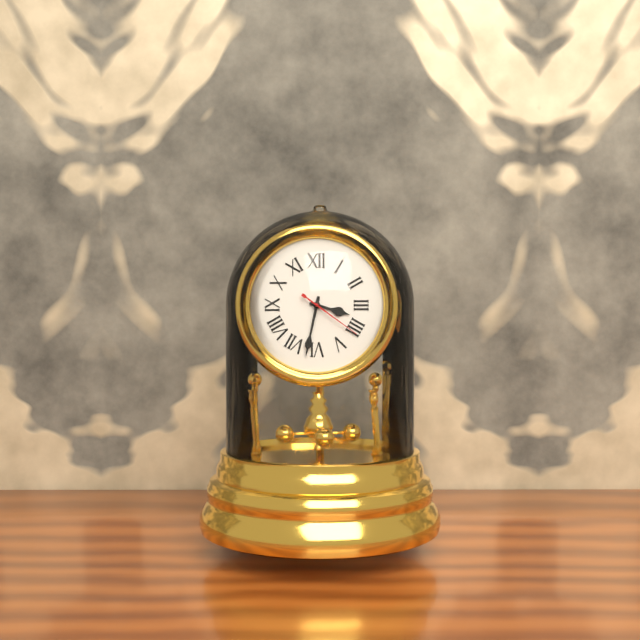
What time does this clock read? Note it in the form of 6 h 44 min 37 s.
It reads 3 h 32 min 21 s
